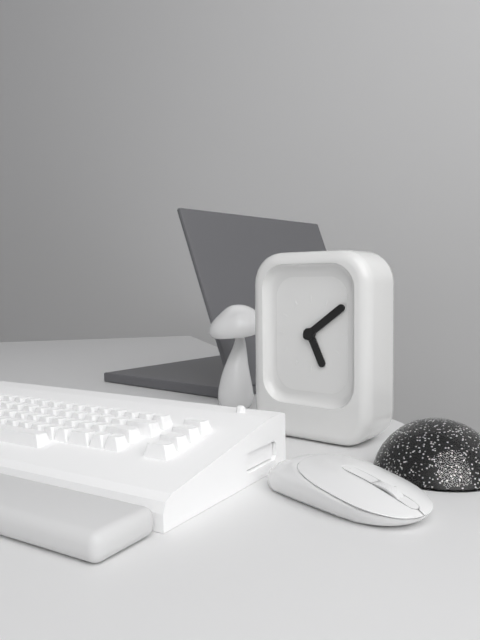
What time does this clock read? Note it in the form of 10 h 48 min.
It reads 5 h 09 min
